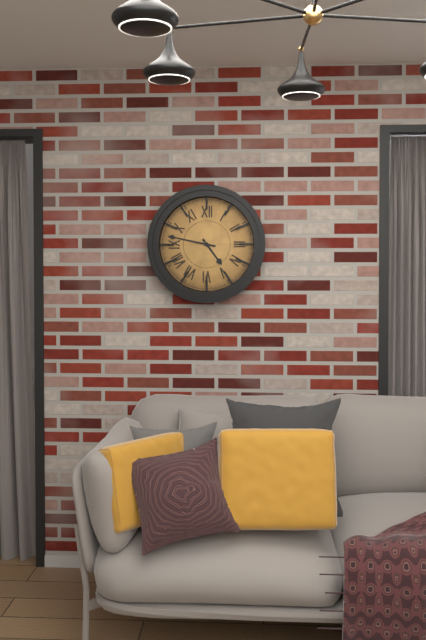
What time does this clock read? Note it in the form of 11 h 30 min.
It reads 4 h 47 min
